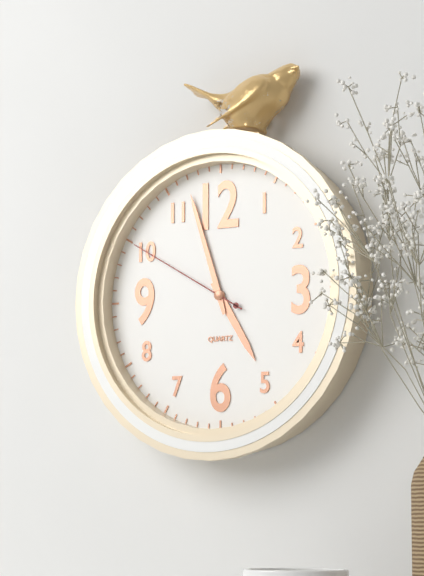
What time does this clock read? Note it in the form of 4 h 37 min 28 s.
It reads 4 h 57 min 50 s
